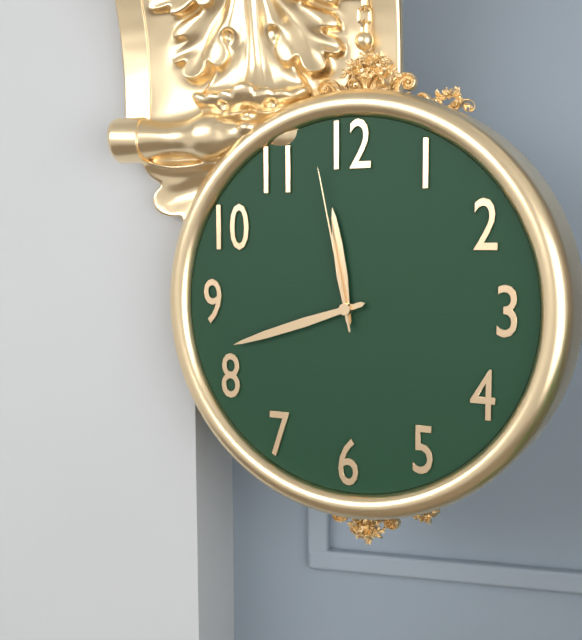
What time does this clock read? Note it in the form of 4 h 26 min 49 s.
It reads 11 h 42 min 58 s
